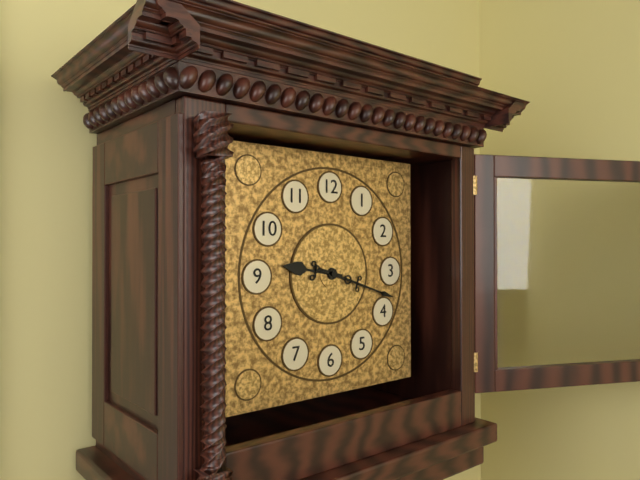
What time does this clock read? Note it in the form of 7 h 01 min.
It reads 9 h 18 min
